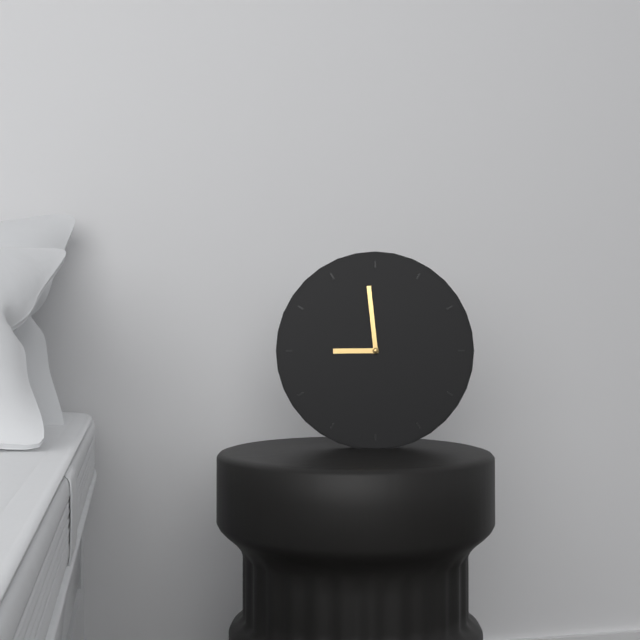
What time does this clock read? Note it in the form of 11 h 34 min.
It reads 8 h 59 min
